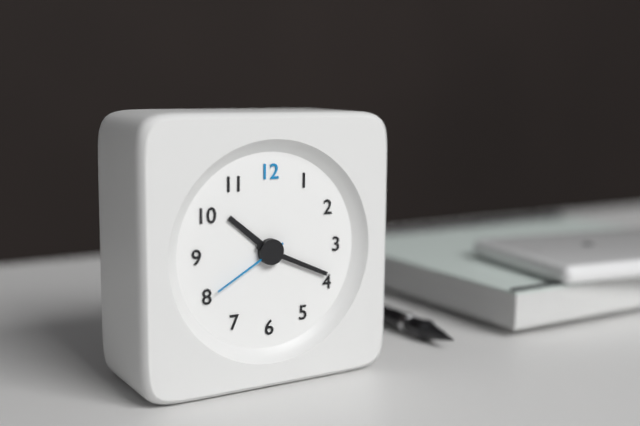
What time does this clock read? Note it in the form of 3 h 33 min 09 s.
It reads 10 h 19 min 40 s
